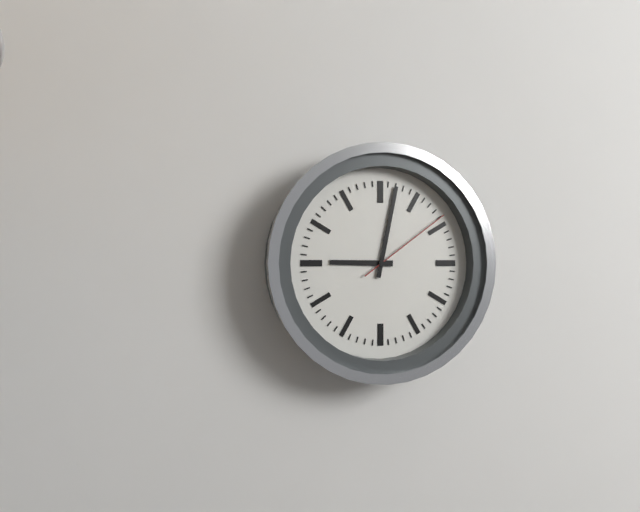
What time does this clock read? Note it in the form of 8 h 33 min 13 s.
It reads 9 h 02 min 09 s
